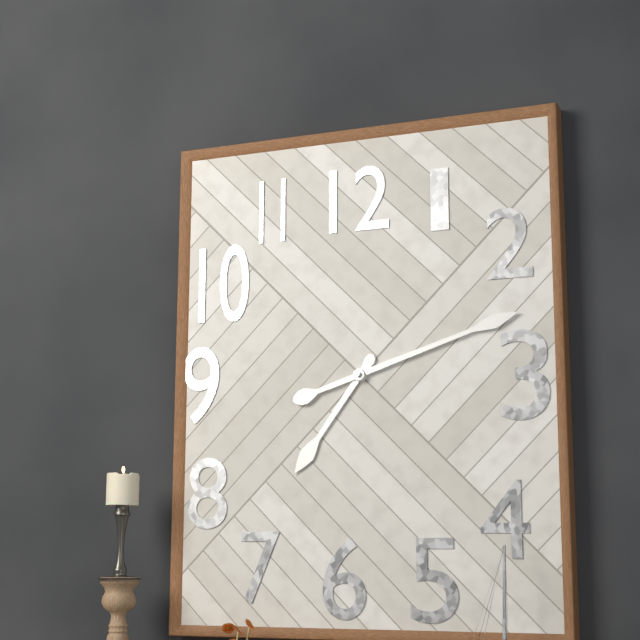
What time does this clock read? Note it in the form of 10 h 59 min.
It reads 7 h 12 min
